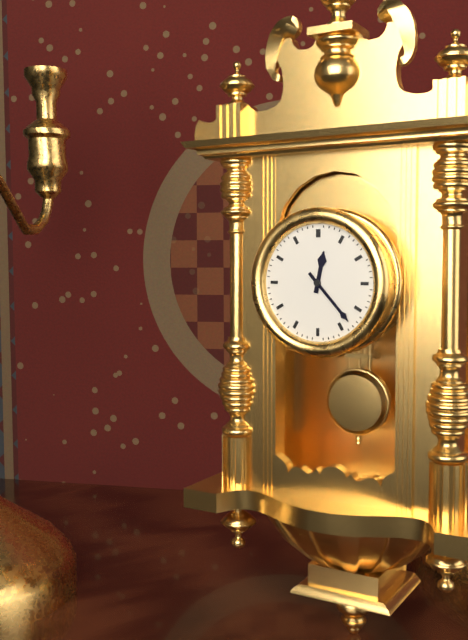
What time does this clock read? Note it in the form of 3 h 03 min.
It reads 12 h 23 min
